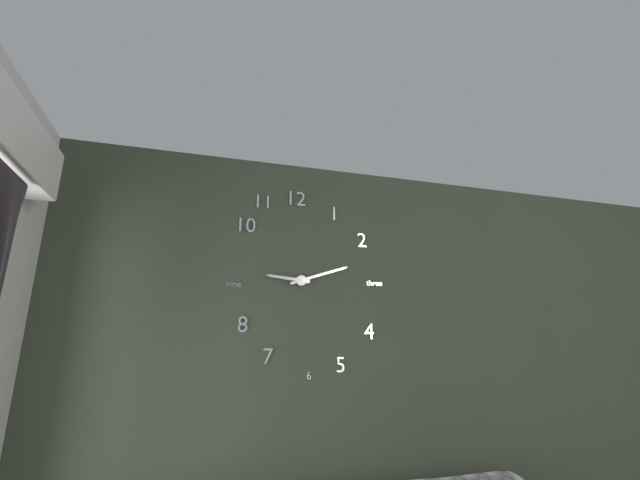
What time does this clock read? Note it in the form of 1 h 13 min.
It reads 9 h 12 min
